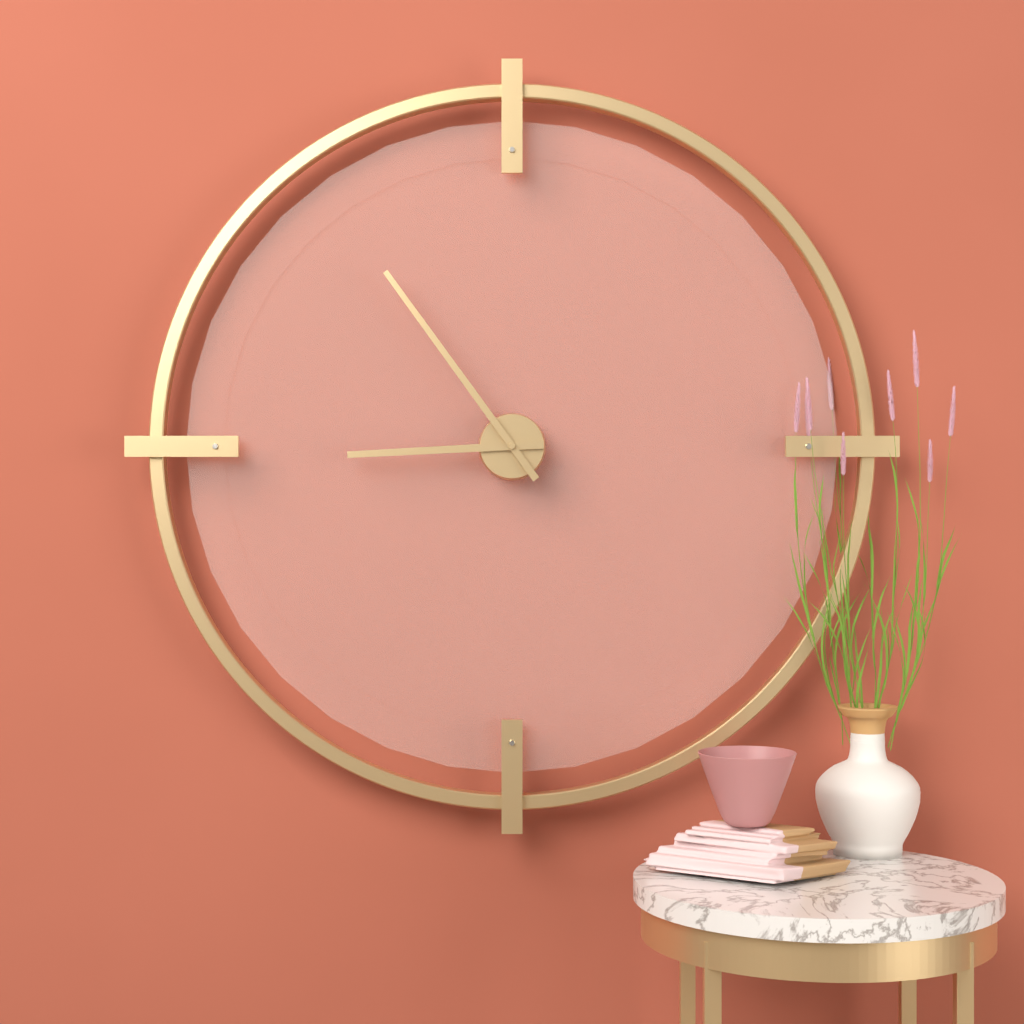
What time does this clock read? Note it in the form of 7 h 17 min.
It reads 8 h 54 min
